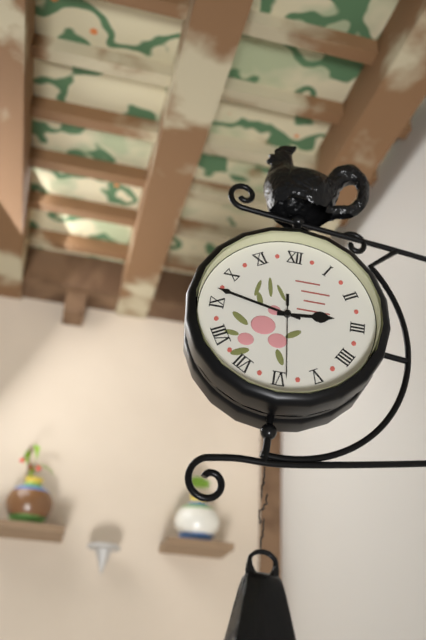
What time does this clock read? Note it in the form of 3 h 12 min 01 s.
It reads 2 h 47 min 29 s
